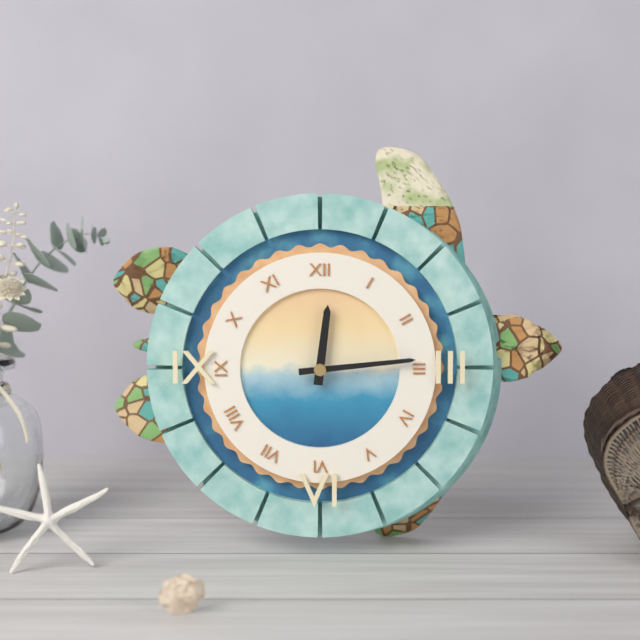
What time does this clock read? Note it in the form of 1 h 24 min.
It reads 12 h 14 min
